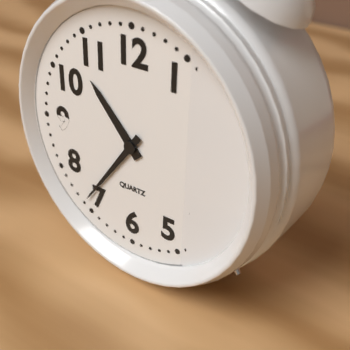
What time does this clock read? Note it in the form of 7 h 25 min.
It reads 10 h 36 min
